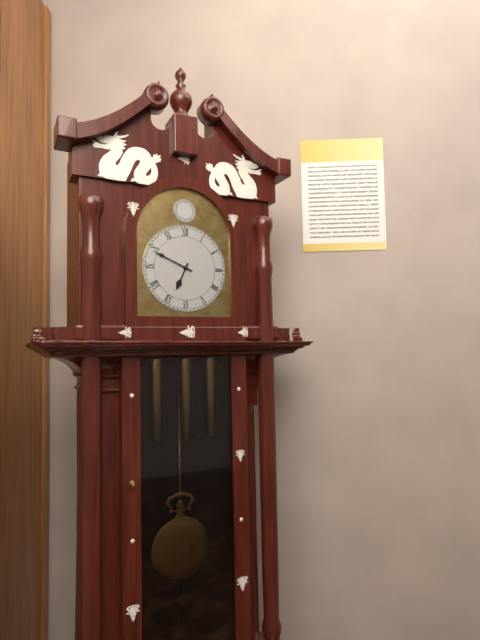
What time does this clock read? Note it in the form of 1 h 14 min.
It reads 6 h 49 min
